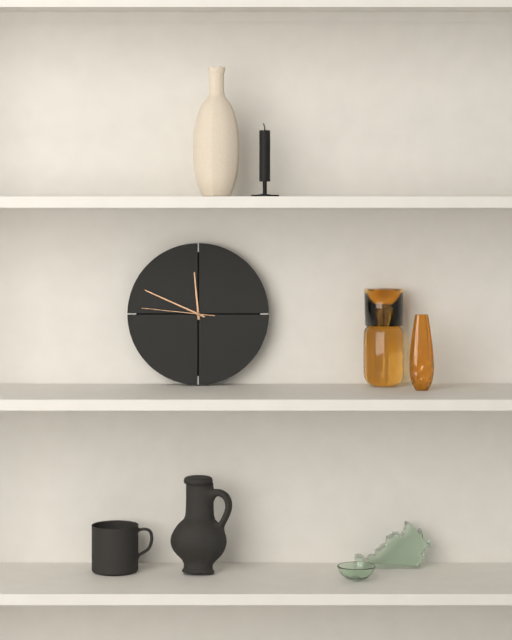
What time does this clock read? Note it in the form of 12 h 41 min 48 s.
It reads 11 h 49 min 46 s
